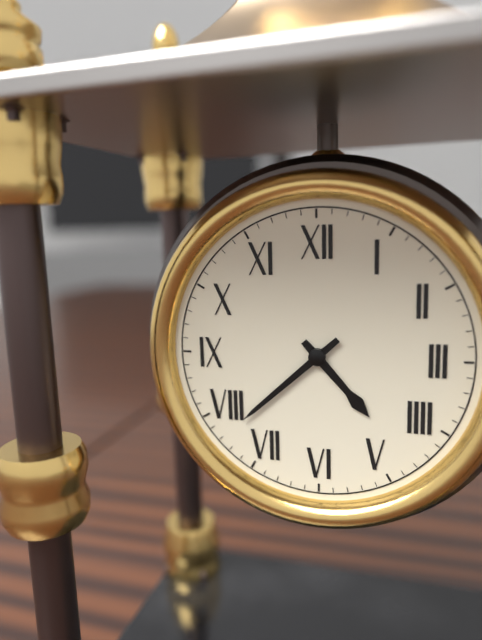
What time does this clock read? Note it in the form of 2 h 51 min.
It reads 4 h 38 min
